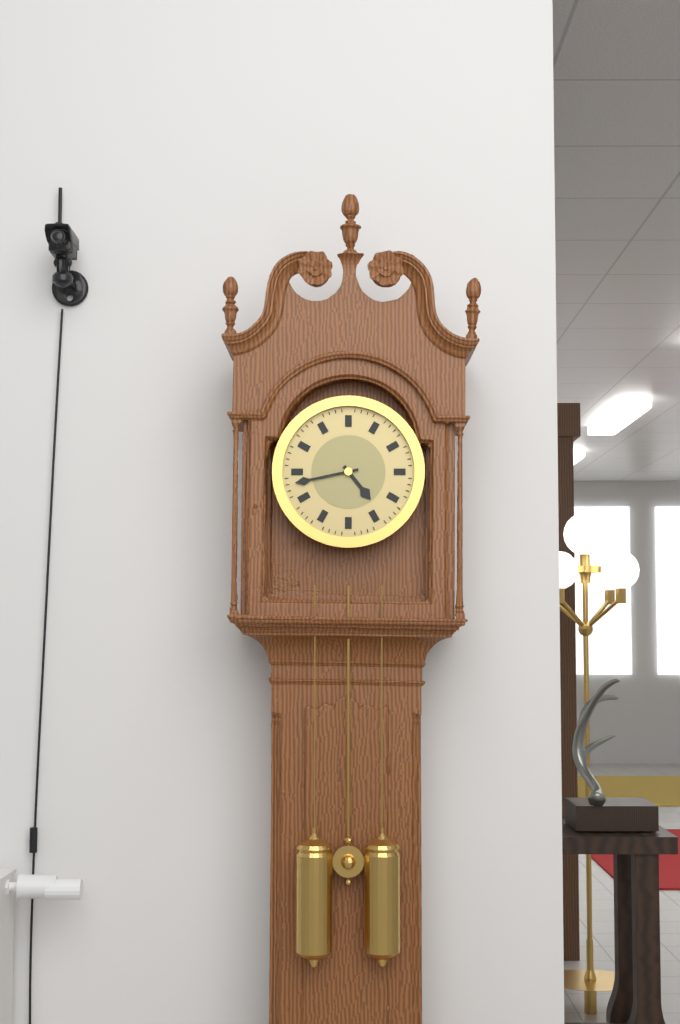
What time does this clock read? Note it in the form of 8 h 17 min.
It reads 4 h 43 min
